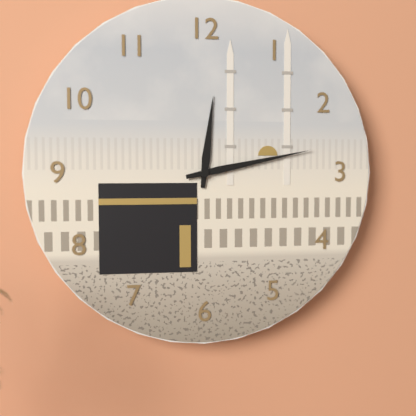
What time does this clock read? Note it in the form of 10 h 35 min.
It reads 12 h 13 min
